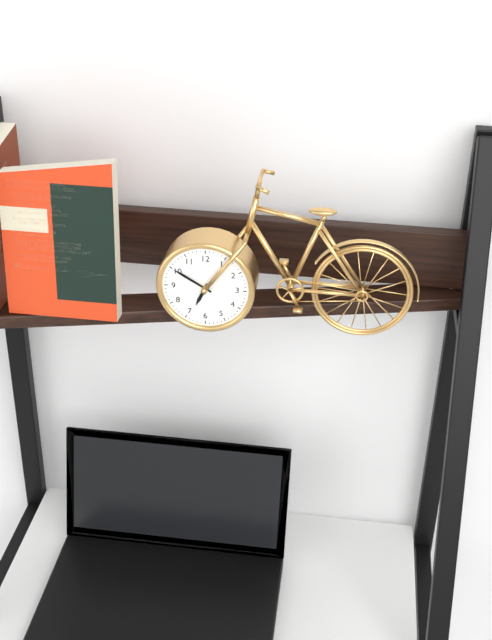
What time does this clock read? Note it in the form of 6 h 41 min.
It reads 6 h 50 min
